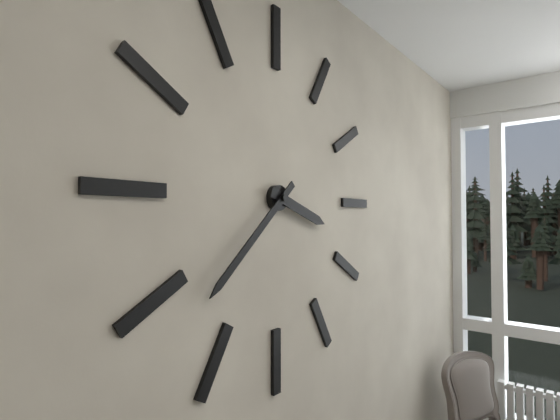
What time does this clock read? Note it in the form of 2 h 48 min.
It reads 3 h 38 min
